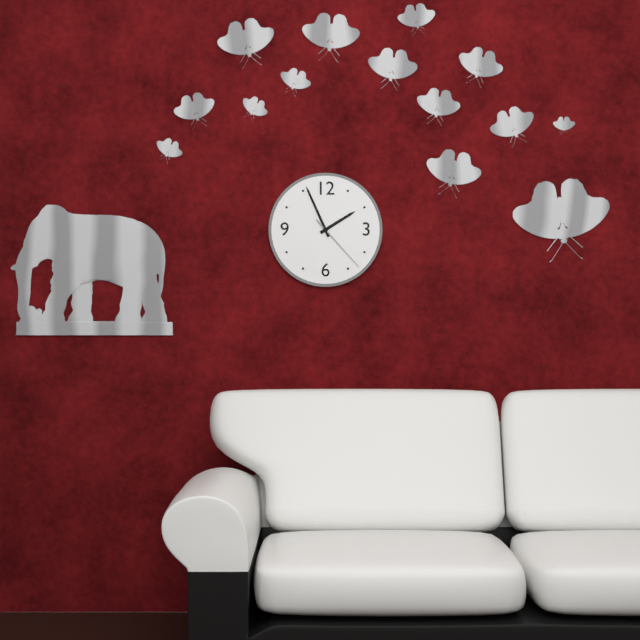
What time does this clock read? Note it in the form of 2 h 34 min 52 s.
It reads 1 h 56 min 23 s
